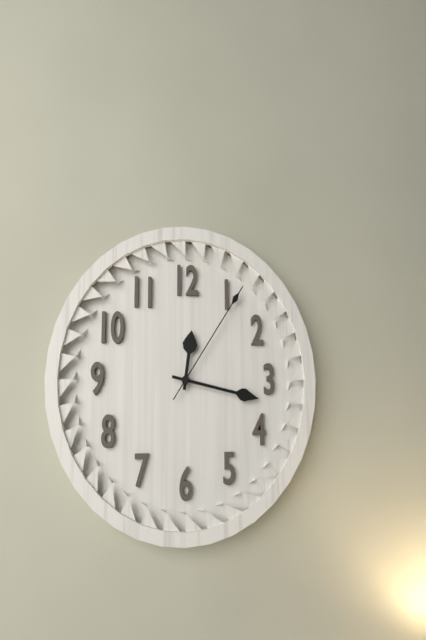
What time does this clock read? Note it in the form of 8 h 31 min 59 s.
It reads 12 h 17 min 06 s
